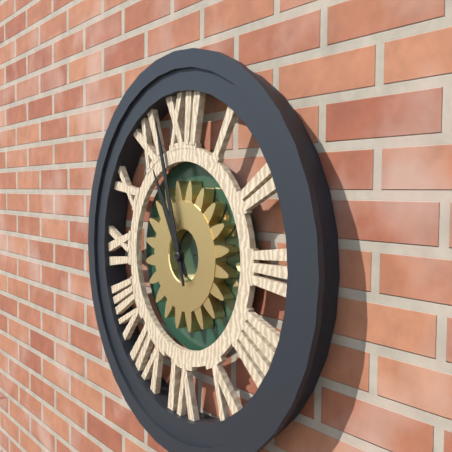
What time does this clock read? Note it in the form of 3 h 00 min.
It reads 10 h 57 min
